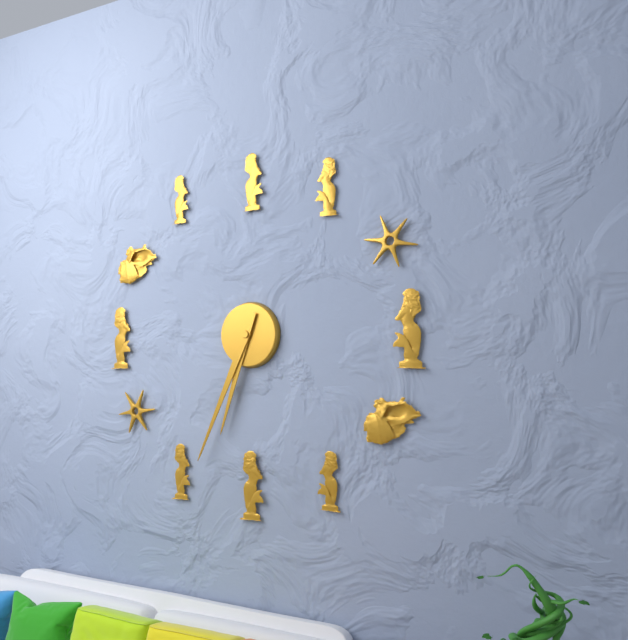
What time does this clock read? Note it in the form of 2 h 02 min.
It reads 6 h 34 min
